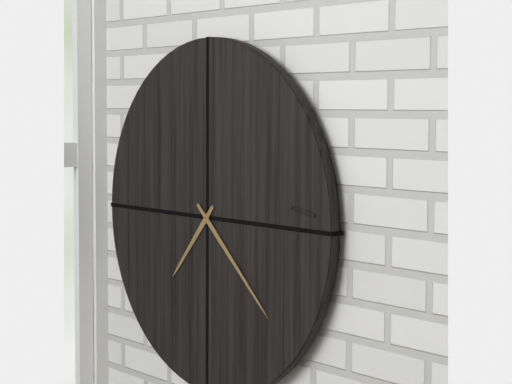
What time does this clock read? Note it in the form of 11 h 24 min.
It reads 7 h 22 min
